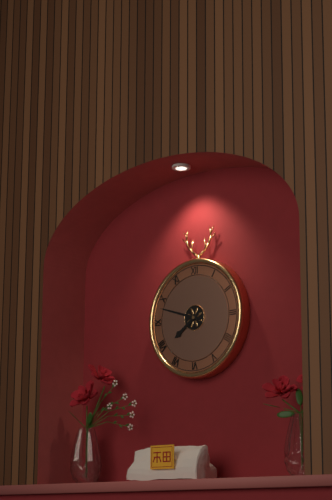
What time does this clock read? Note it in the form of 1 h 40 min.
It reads 7 h 48 min
